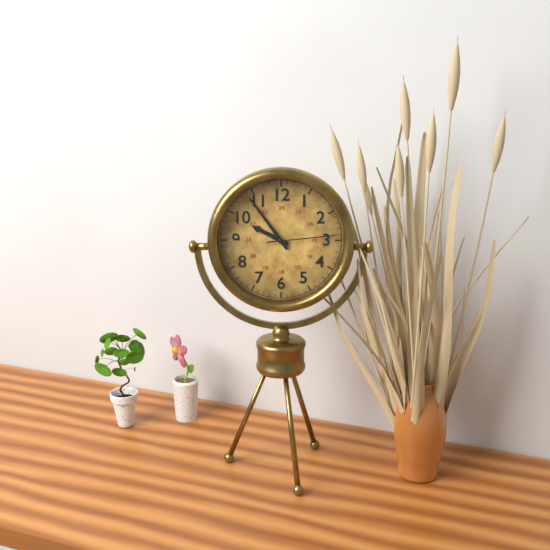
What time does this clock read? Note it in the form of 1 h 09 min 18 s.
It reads 9 h 54 min 14 s
